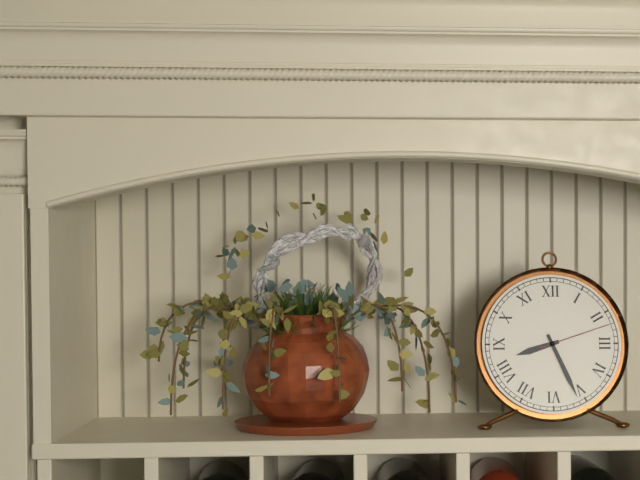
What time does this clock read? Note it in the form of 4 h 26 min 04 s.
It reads 8 h 26 min 12 s
